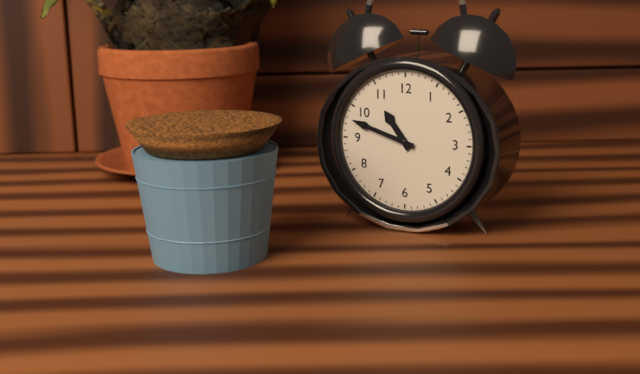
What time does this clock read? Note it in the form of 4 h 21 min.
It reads 10 h 48 min
